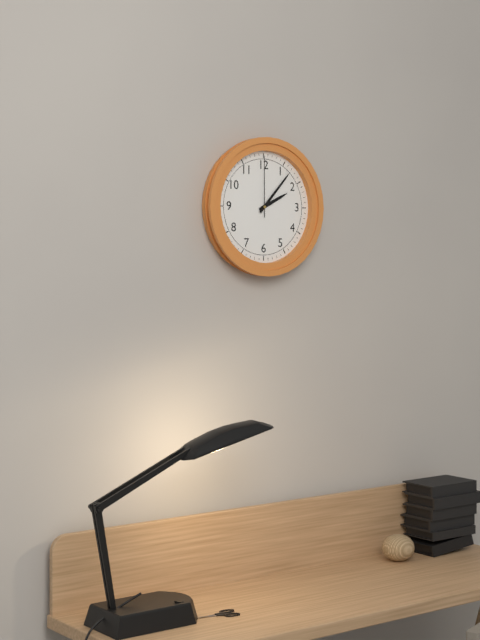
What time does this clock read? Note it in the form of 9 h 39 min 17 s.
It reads 2 h 07 min 00 s
